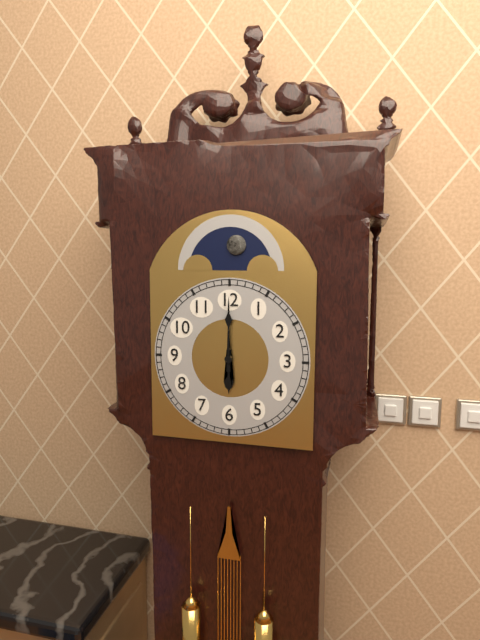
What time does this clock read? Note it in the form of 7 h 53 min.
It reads 6 h 00 min
